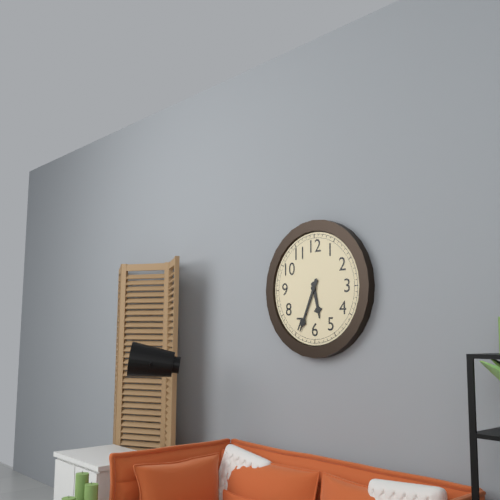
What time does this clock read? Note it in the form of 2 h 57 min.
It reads 5 h 34 min
